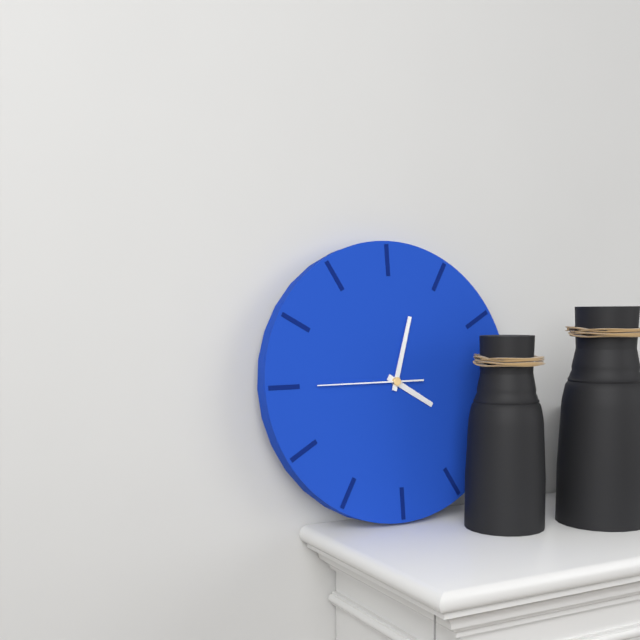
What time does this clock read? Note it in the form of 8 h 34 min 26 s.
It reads 4 h 03 min 45 s
